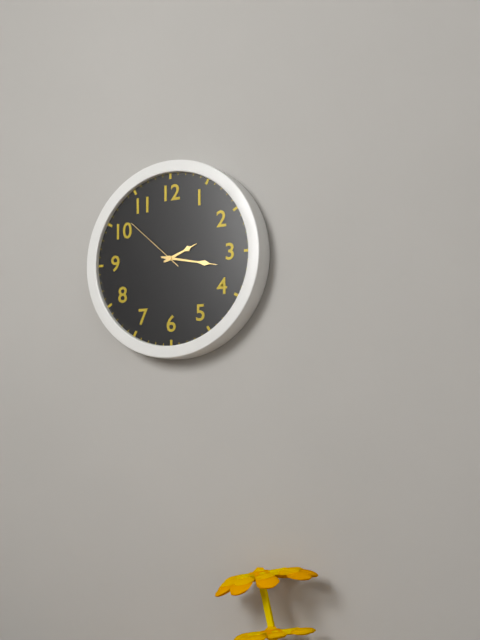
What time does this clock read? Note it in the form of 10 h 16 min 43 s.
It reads 2 h 17 min 52 s
